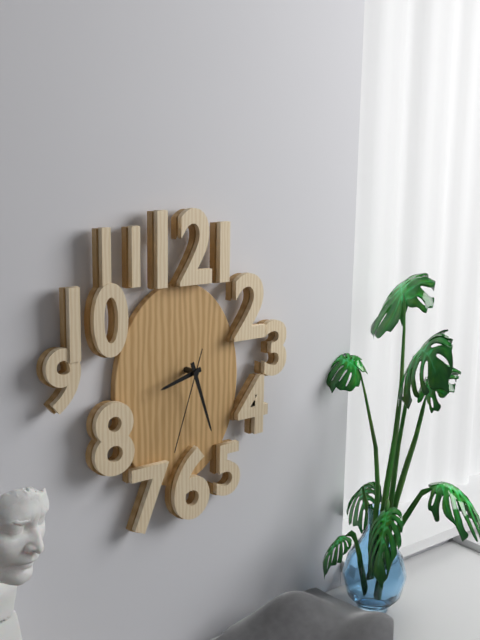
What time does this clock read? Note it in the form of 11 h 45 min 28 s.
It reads 8 h 27 min 33 s
